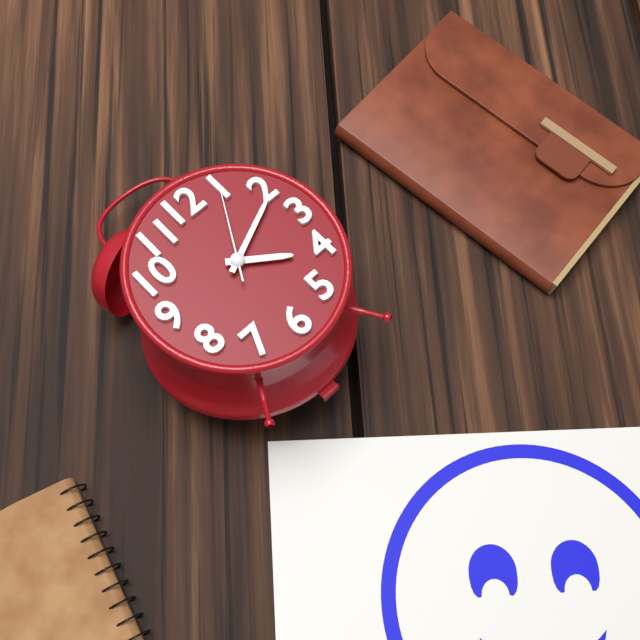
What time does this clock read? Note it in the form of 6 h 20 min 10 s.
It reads 4 h 11 min 05 s
